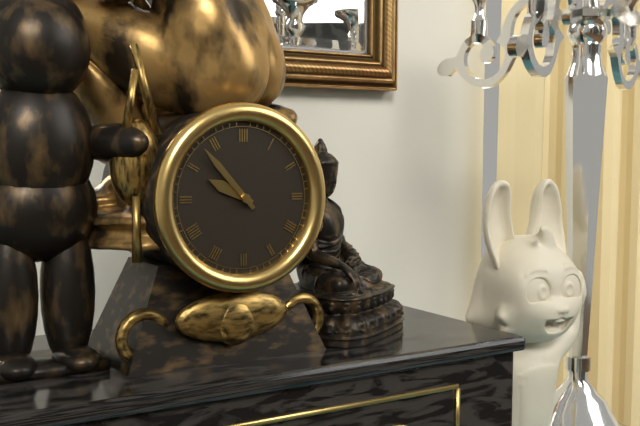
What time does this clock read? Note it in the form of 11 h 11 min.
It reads 9 h 53 min
